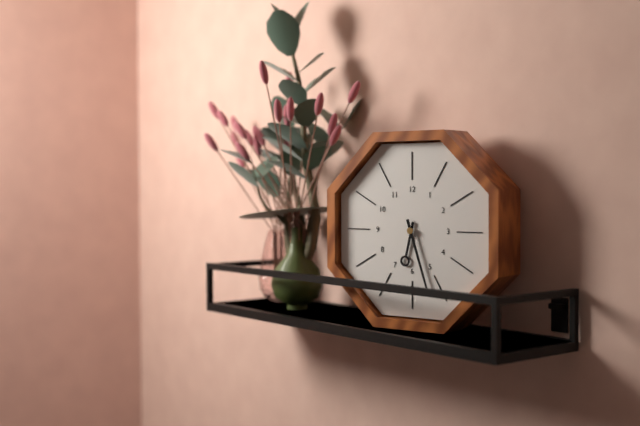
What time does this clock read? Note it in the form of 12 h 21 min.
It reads 6 h 27 min
